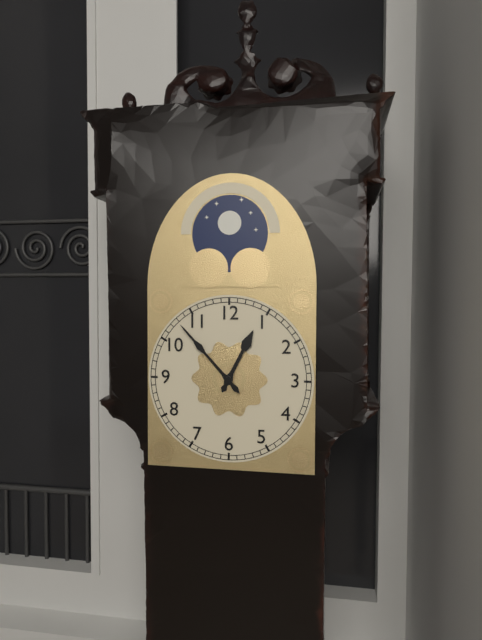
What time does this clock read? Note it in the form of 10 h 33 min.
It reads 12 h 53 min
